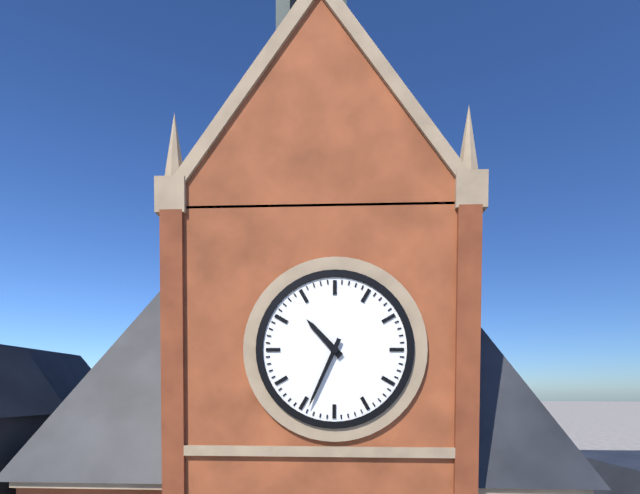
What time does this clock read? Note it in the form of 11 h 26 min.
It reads 10 h 34 min
